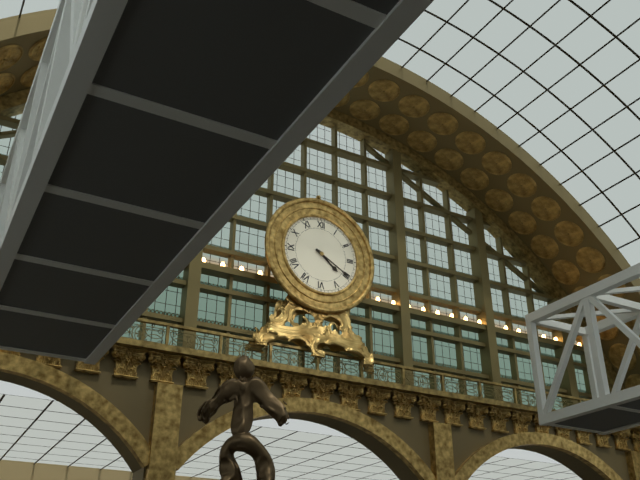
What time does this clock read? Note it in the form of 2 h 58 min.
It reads 4 h 20 min
